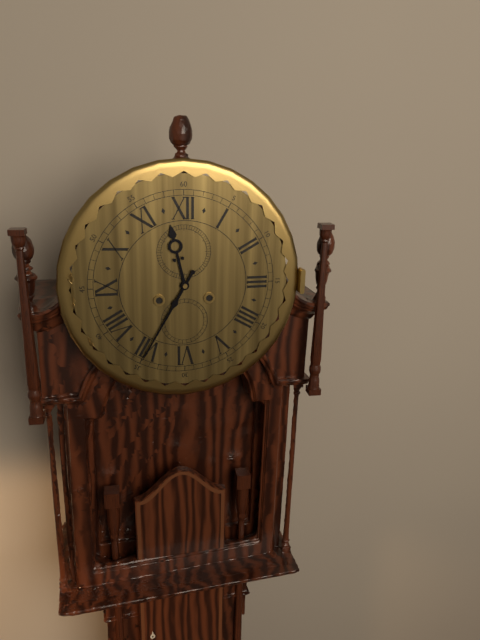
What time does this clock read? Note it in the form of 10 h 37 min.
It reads 11 h 35 min
